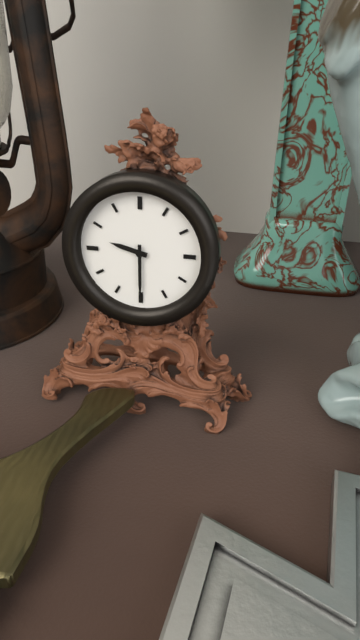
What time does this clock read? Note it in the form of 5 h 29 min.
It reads 9 h 30 min
